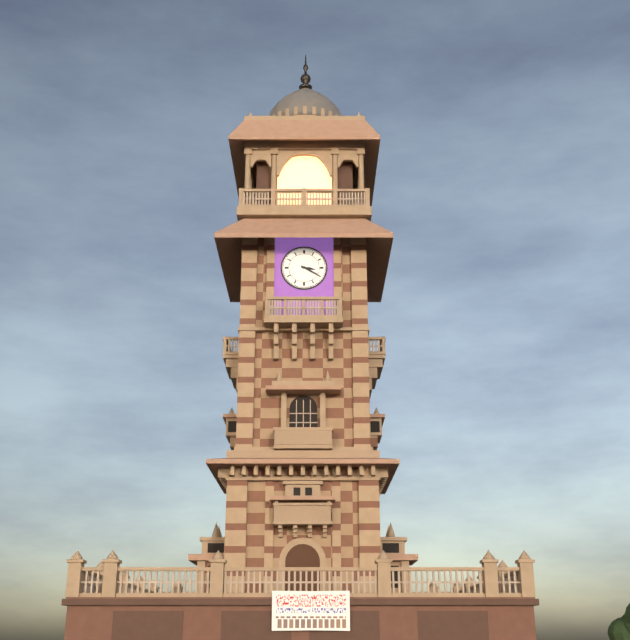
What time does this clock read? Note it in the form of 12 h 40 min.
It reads 3 h 20 min
